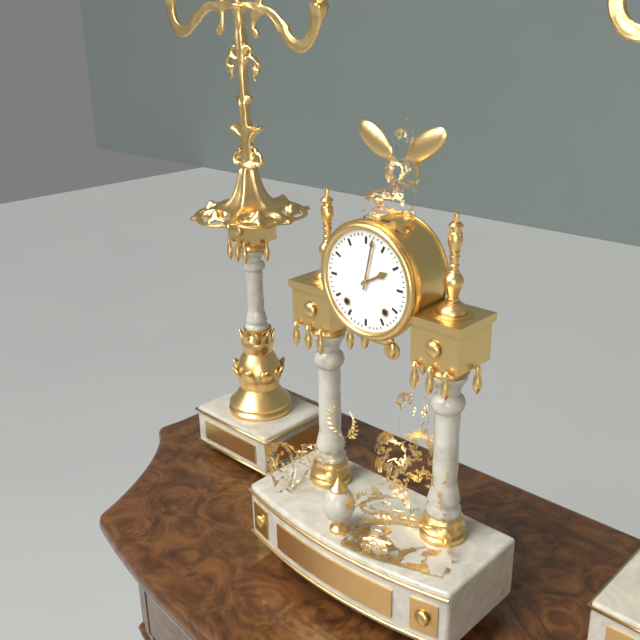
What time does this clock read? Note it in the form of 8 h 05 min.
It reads 2 h 02 min
